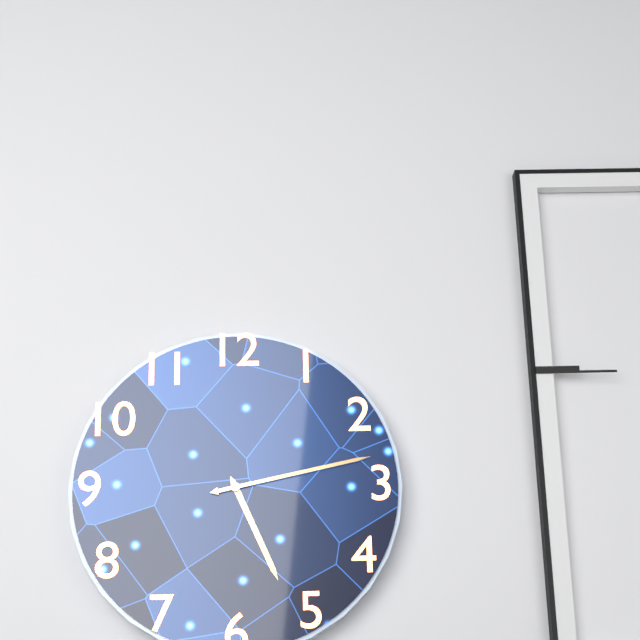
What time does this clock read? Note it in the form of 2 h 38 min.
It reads 5 h 13 min
